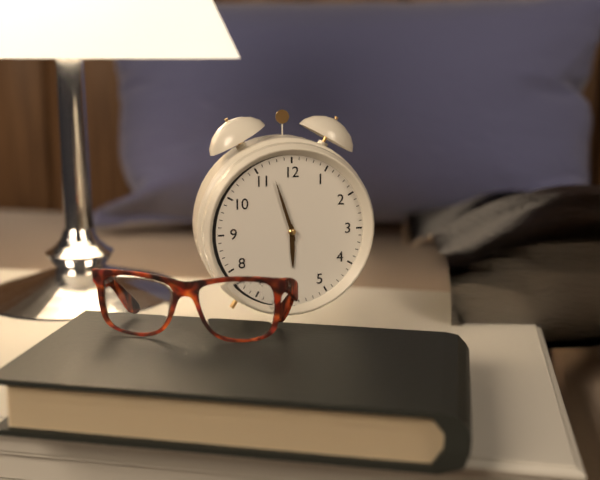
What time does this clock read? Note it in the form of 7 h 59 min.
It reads 5 h 57 min
